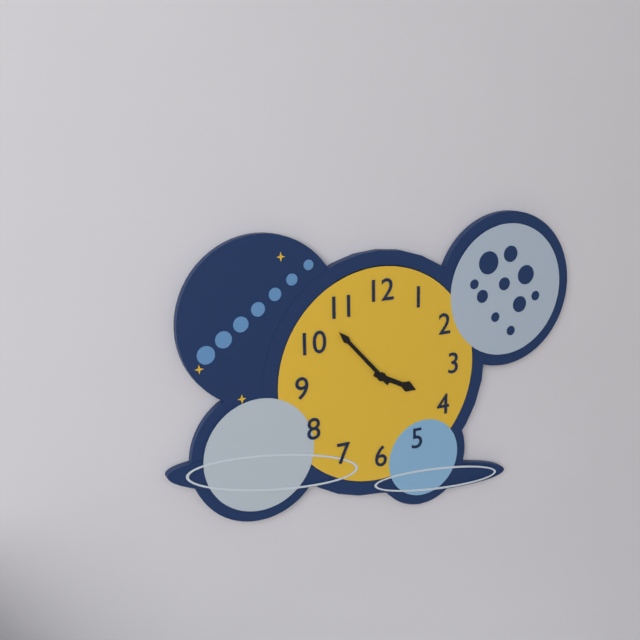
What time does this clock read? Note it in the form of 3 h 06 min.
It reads 3 h 53 min
